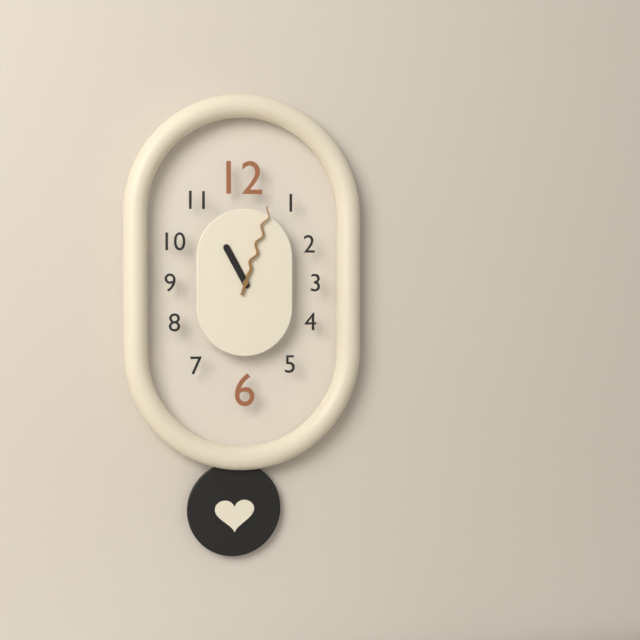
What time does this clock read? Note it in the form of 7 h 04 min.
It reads 11 h 03 min
